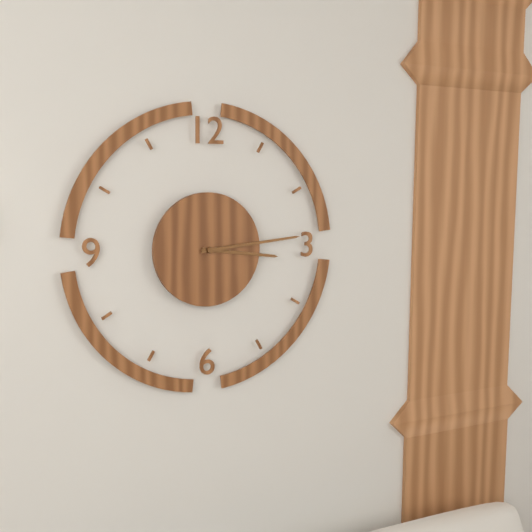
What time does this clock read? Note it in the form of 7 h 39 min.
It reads 3 h 14 min
